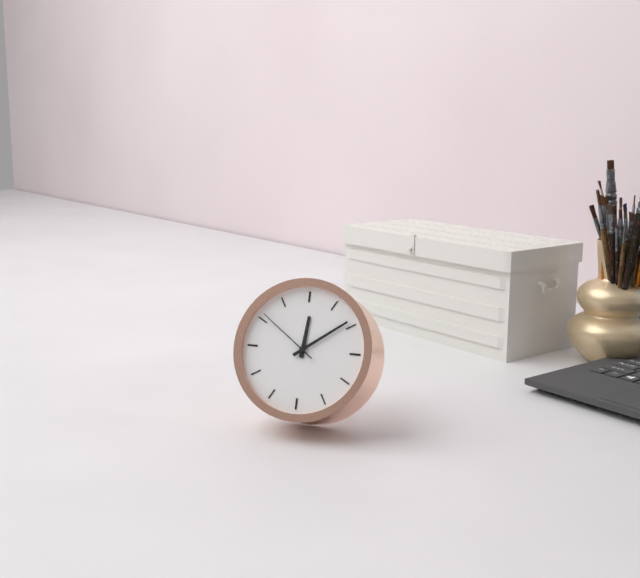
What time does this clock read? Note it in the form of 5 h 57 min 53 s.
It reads 12 h 09 min 51 s
